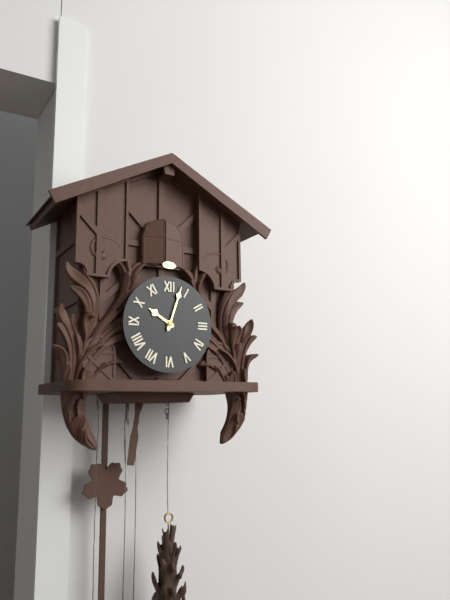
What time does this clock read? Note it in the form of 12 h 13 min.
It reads 10 h 03 min
